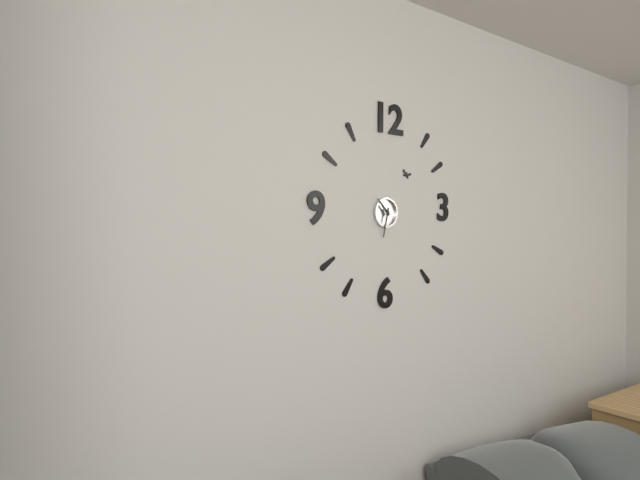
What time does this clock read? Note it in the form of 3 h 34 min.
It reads 10 h 32 min
